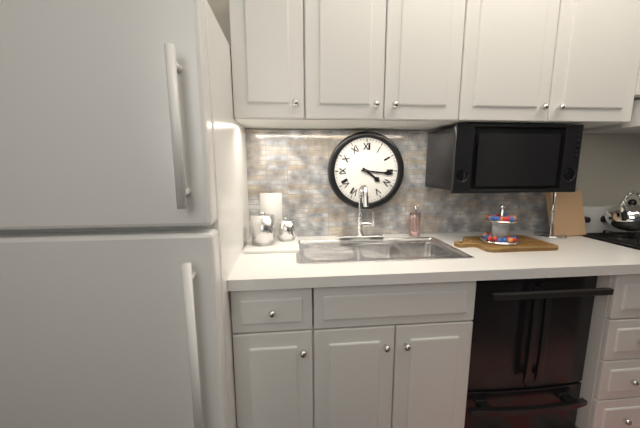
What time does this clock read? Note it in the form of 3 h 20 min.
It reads 4 h 16 min
